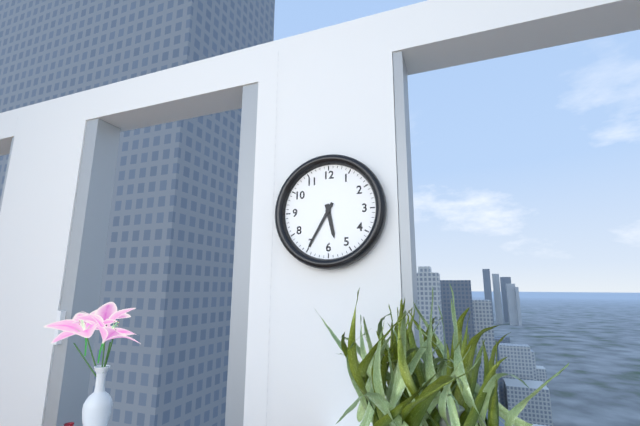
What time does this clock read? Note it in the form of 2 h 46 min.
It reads 5 h 35 min
